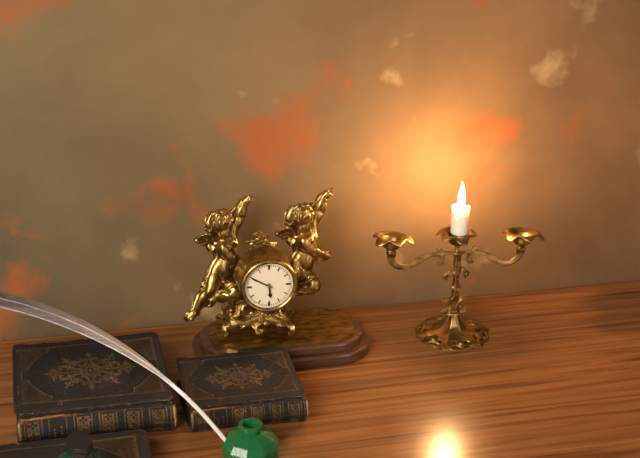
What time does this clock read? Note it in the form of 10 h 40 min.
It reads 5 h 50 min
